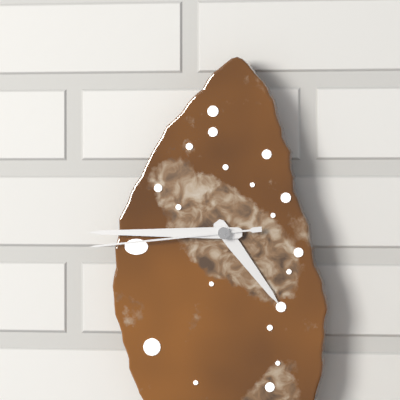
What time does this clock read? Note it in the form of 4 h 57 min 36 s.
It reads 4 h 45 min 44 s
